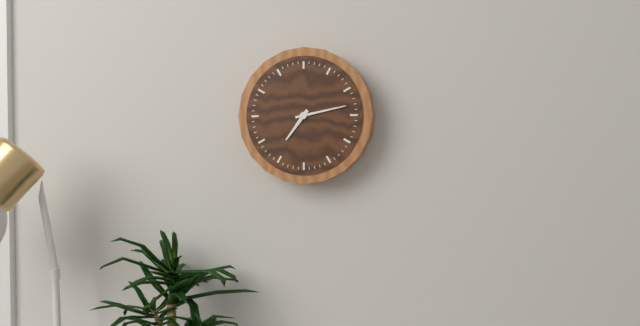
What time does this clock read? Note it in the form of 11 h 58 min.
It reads 7 h 13 min
